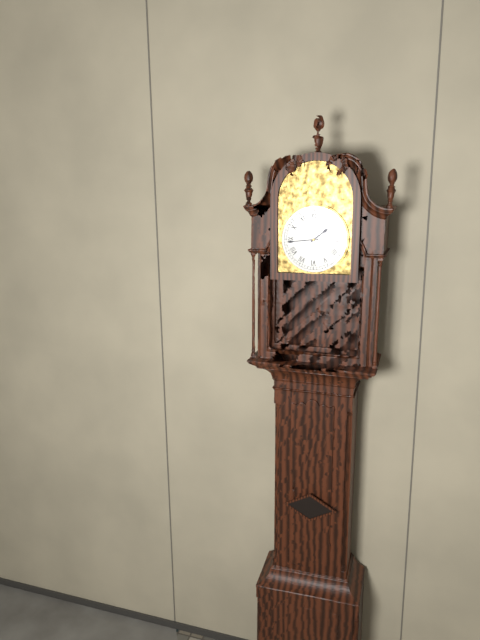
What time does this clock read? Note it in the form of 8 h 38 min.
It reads 1 h 44 min
